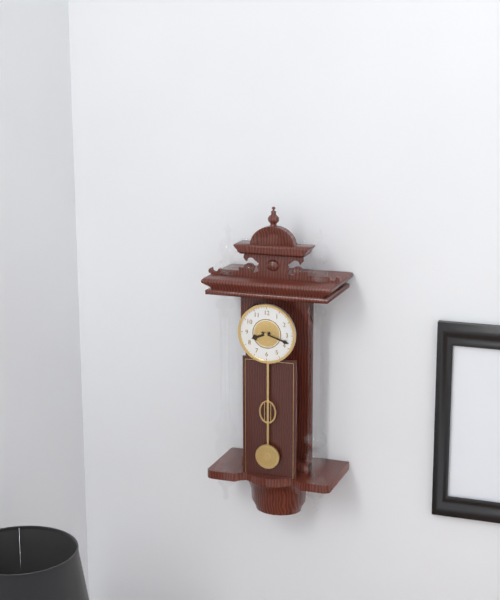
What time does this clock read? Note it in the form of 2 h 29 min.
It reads 8 h 18 min
